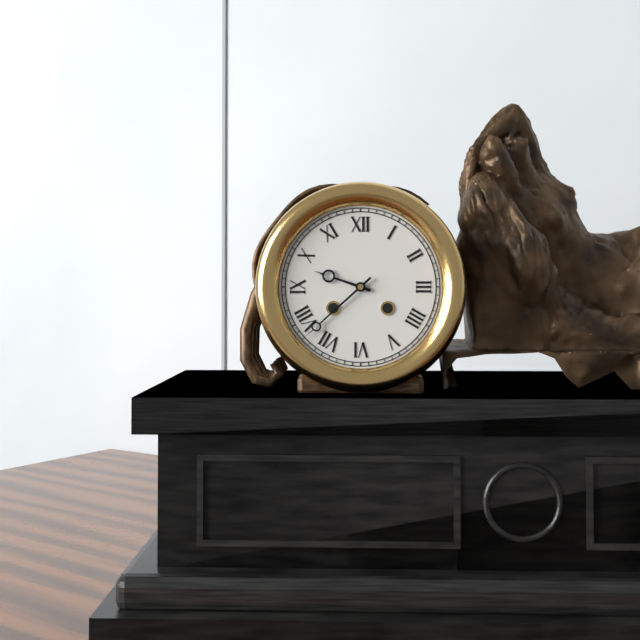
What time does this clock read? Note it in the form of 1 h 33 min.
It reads 9 h 38 min
